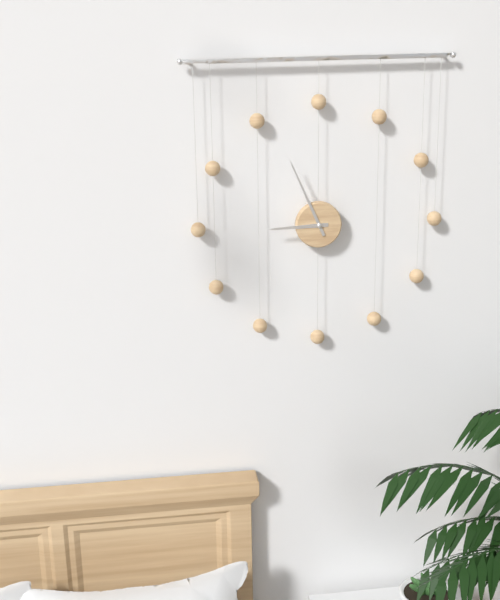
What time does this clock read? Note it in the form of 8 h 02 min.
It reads 8 h 56 min
